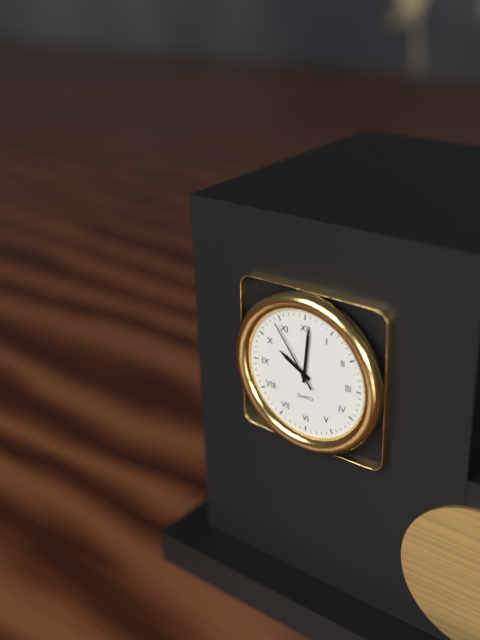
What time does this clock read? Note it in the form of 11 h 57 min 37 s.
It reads 10 h 01 min 54 s
